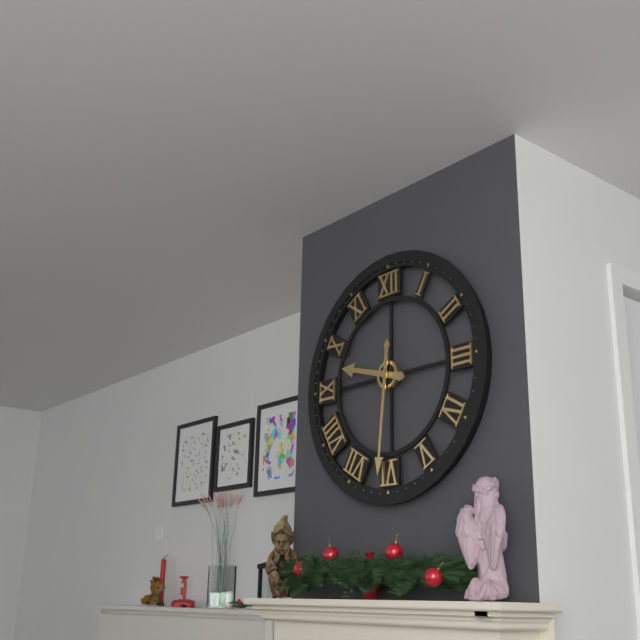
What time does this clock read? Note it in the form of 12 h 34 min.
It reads 9 h 31 min
